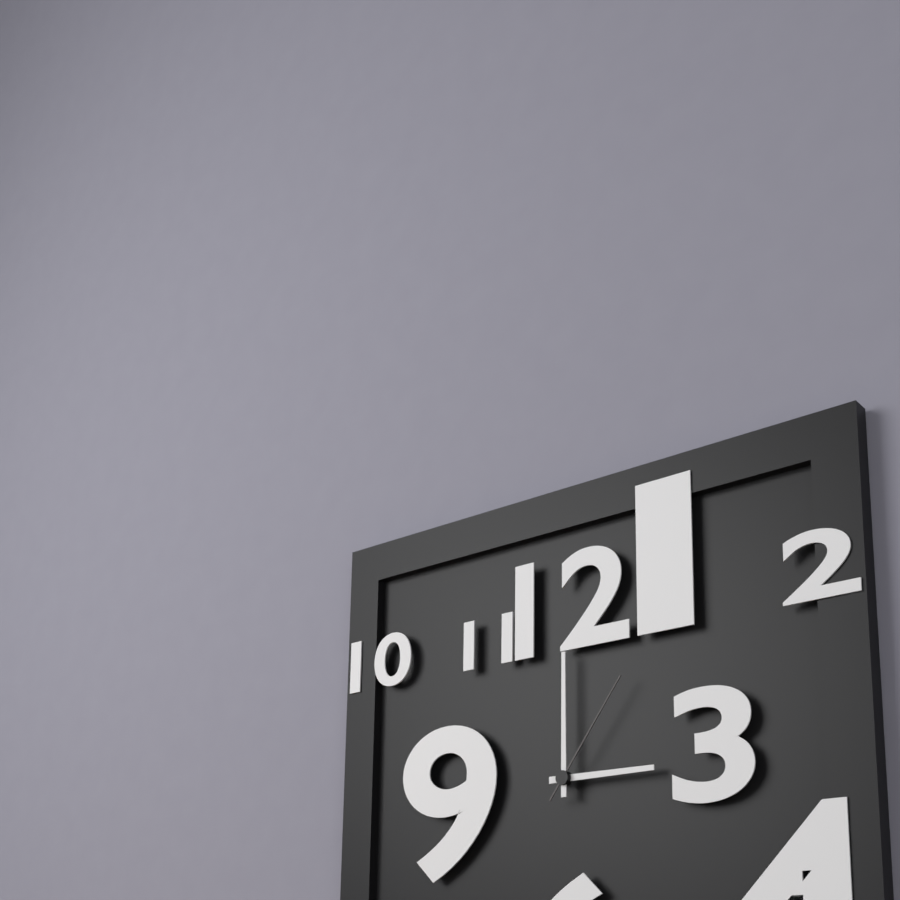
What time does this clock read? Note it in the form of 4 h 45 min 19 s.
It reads 3 h 00 min 06 s
